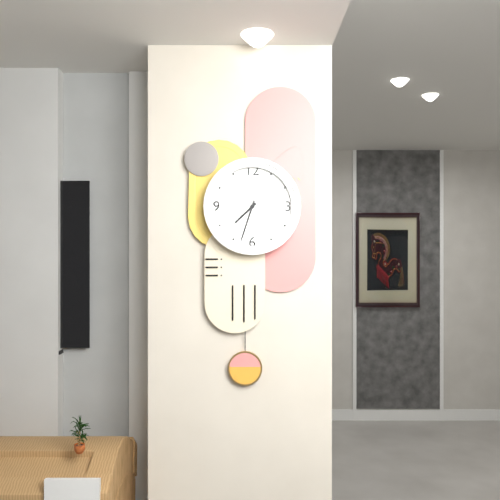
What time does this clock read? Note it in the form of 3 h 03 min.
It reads 7 h 33 min
